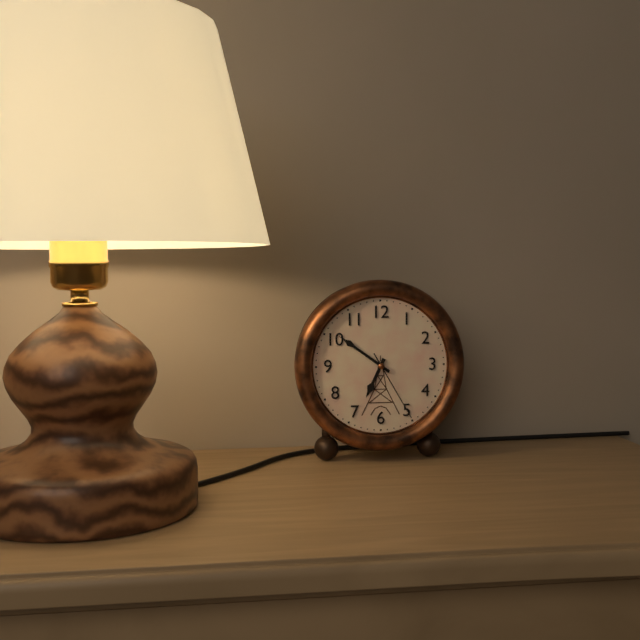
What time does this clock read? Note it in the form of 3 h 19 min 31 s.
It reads 6 h 51 min 25 s
